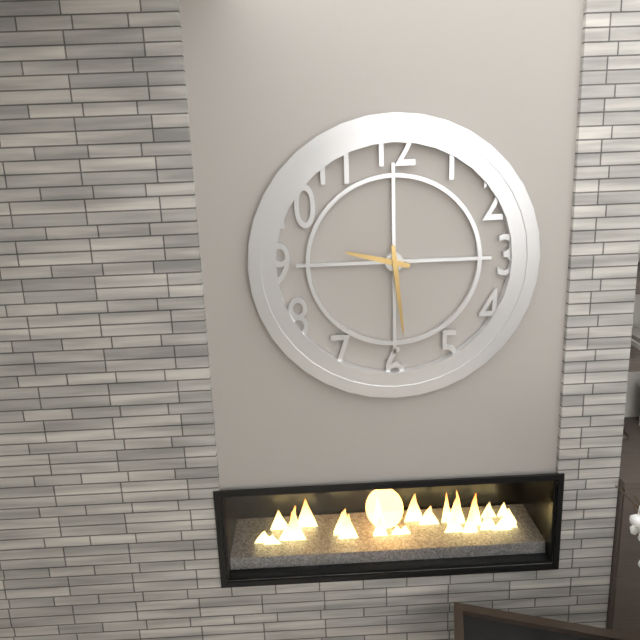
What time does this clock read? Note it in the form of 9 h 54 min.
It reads 9 h 29 min
